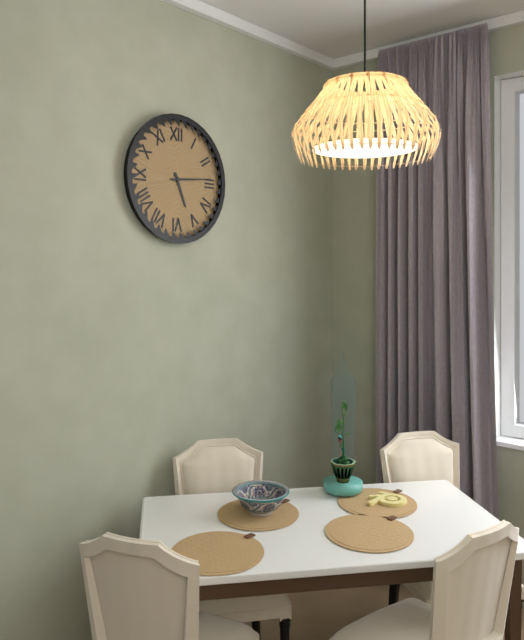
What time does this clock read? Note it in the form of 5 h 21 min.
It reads 5 h 14 min
